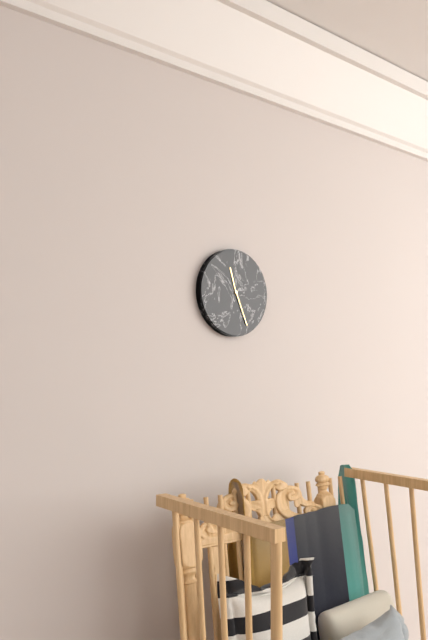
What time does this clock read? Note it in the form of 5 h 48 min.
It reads 11 h 26 min
